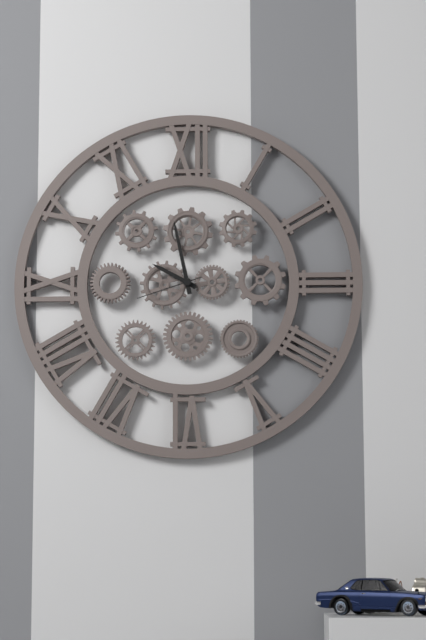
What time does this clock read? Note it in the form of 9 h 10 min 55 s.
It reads 9 h 58 min 42 s
